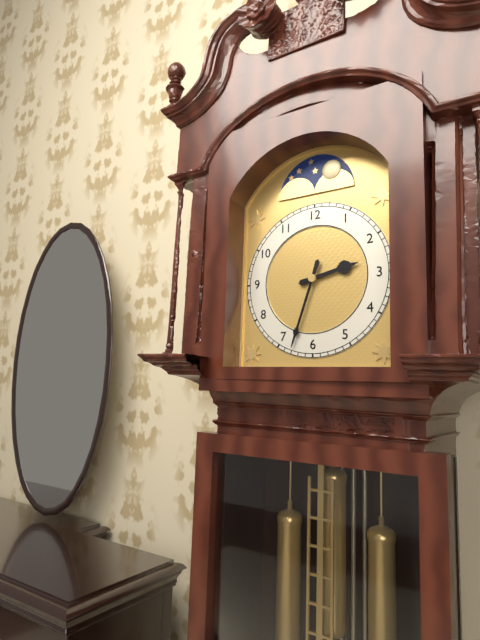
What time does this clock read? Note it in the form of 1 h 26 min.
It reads 2 h 33 min
